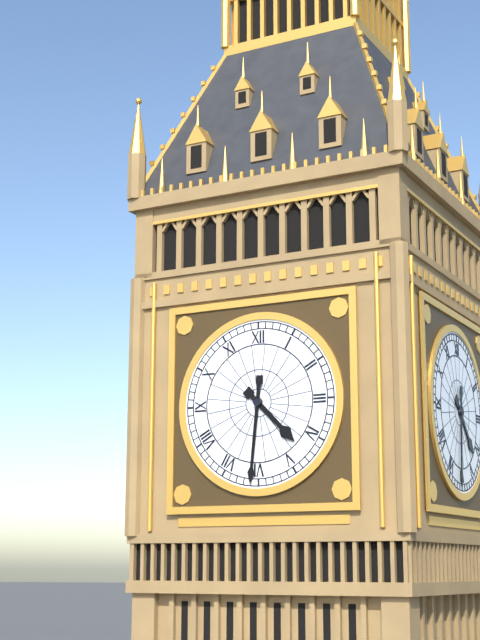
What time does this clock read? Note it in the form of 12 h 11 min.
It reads 4 h 31 min
